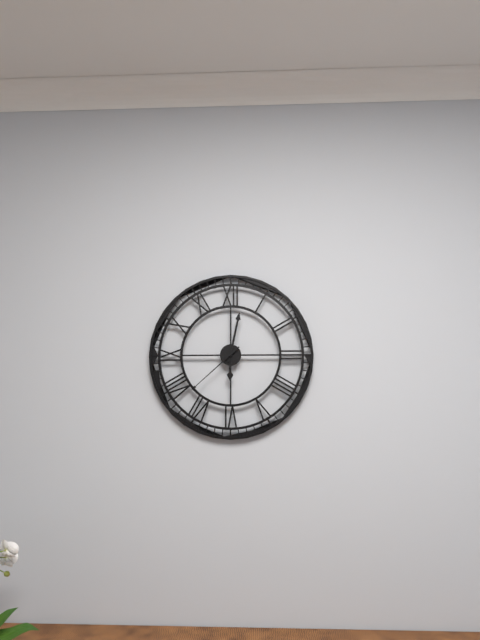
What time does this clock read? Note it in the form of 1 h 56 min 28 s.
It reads 6 h 02 min 38 s
